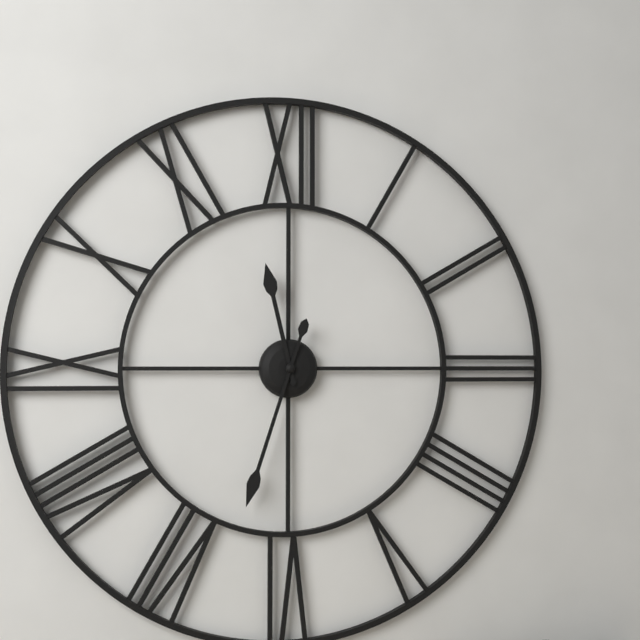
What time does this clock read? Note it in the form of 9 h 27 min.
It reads 11 h 33 min
